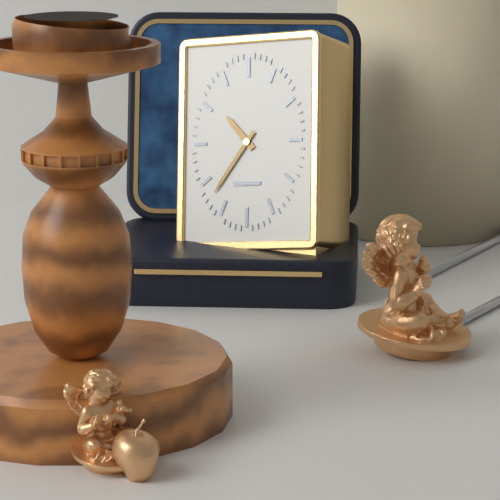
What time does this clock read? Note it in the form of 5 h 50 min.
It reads 10 h 36 min
